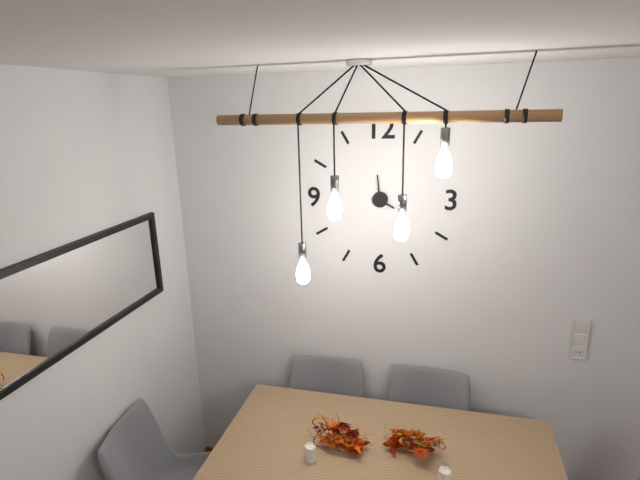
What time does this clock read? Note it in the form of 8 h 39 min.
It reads 3 h 59 min
